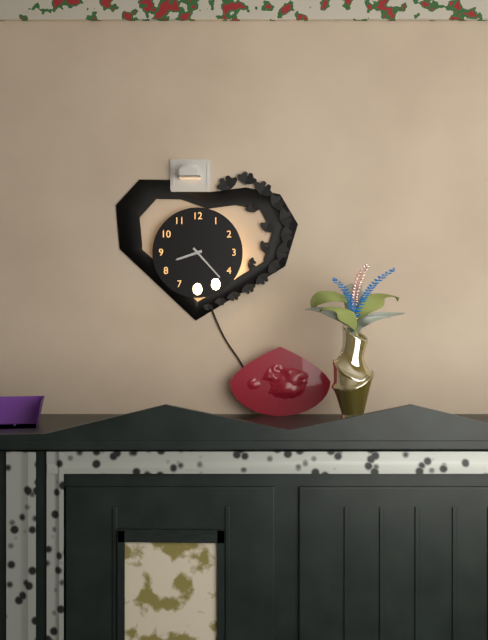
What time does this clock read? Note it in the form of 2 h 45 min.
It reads 8 h 23 min
